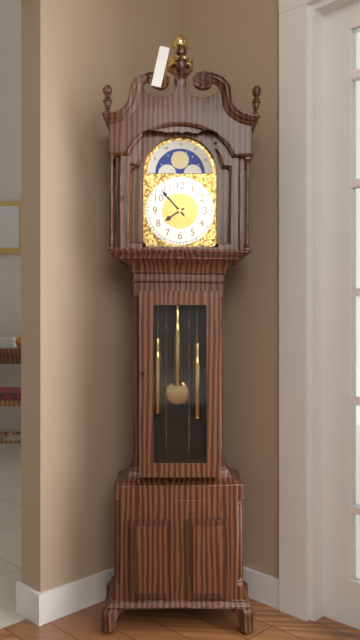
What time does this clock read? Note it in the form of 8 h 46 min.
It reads 7 h 53 min
